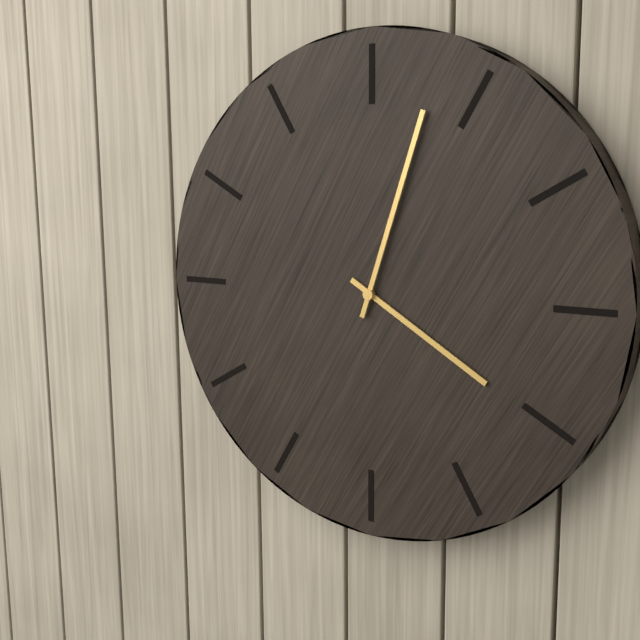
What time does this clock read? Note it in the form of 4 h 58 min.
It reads 4 h 03 min
